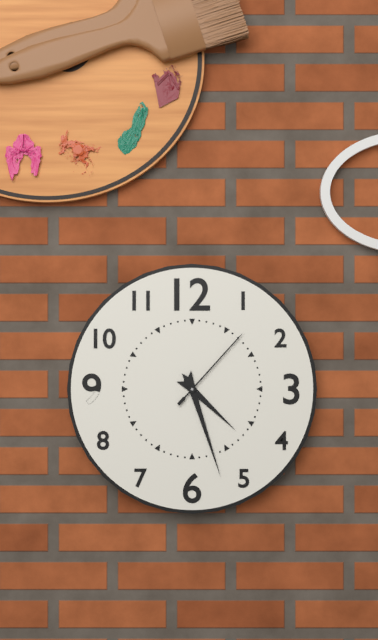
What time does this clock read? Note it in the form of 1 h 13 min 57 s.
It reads 4 h 27 min 07 s
